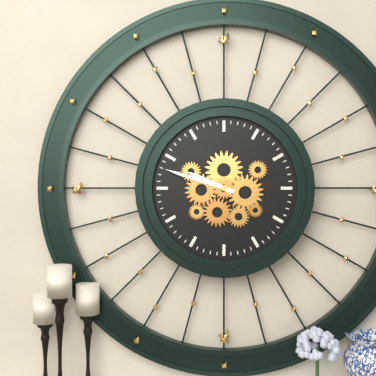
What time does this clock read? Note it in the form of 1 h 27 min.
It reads 9 h 48 min
